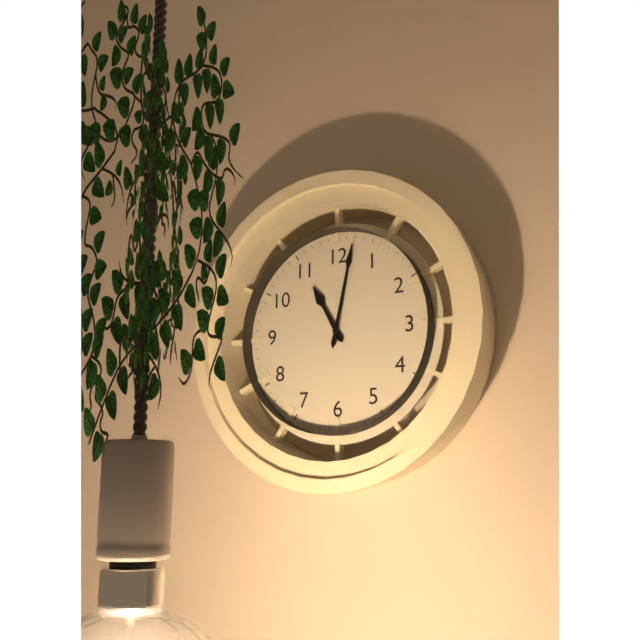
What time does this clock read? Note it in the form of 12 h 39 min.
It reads 11 h 02 min
